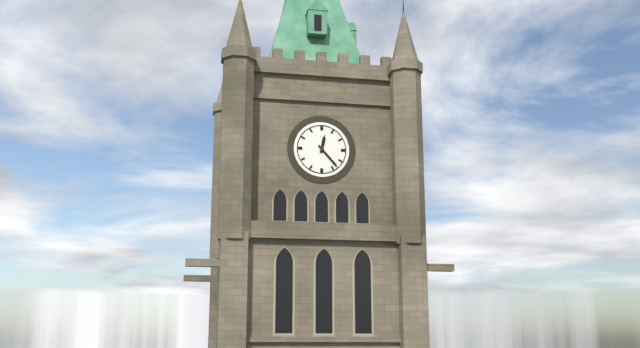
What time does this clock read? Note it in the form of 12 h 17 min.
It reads 12 h 23 min
